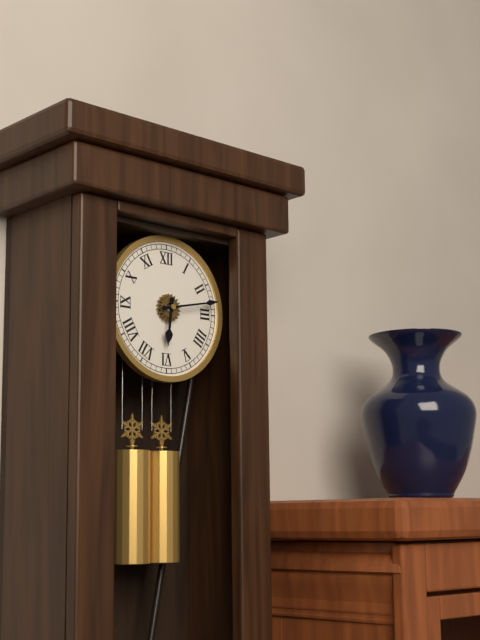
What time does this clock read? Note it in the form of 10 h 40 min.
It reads 6 h 13 min
